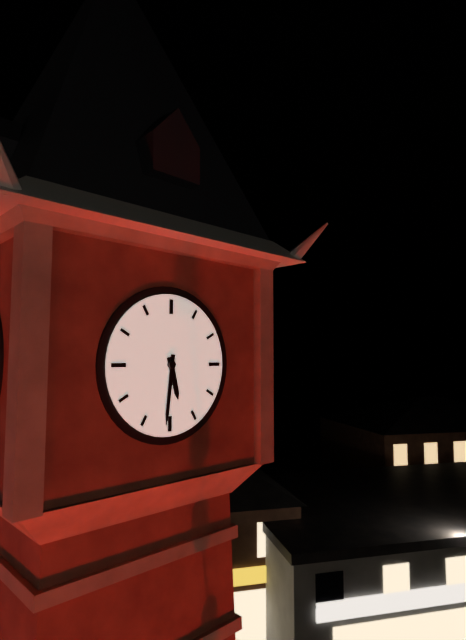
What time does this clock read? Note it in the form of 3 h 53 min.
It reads 5 h 31 min
